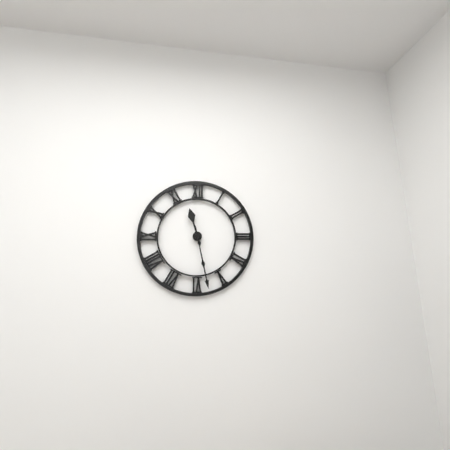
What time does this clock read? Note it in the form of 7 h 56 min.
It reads 11 h 28 min
